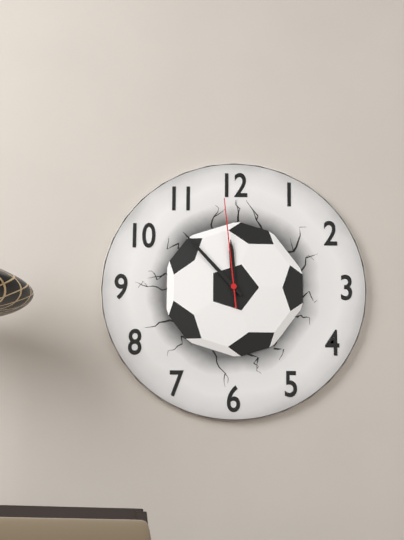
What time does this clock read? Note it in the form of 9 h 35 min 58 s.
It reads 11 h 53 min 59 s
